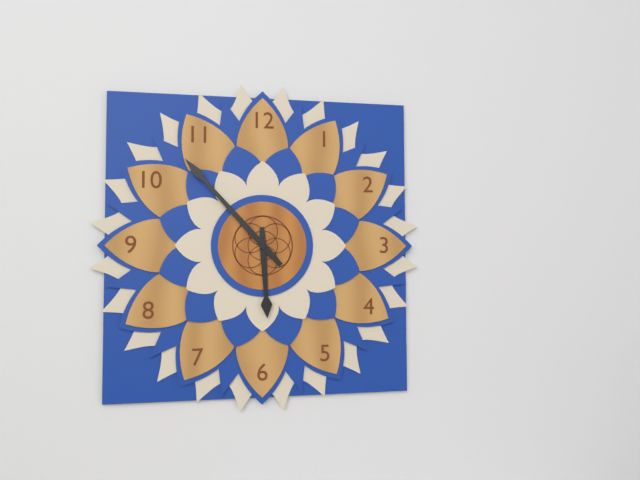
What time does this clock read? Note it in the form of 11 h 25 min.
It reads 5 h 53 min
